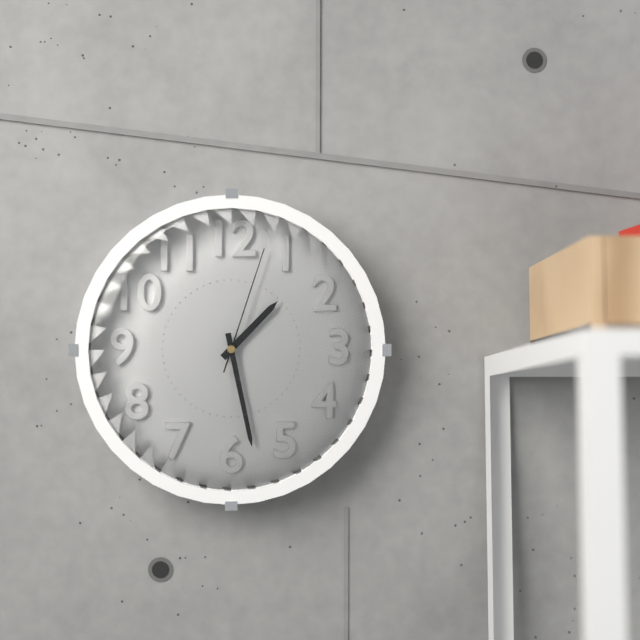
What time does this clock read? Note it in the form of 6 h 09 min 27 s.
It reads 1 h 28 min 03 s
